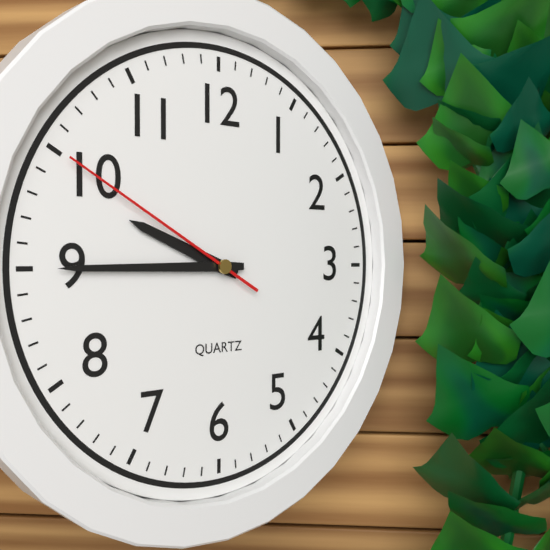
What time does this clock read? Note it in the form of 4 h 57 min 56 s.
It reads 9 h 45 min 50 s
